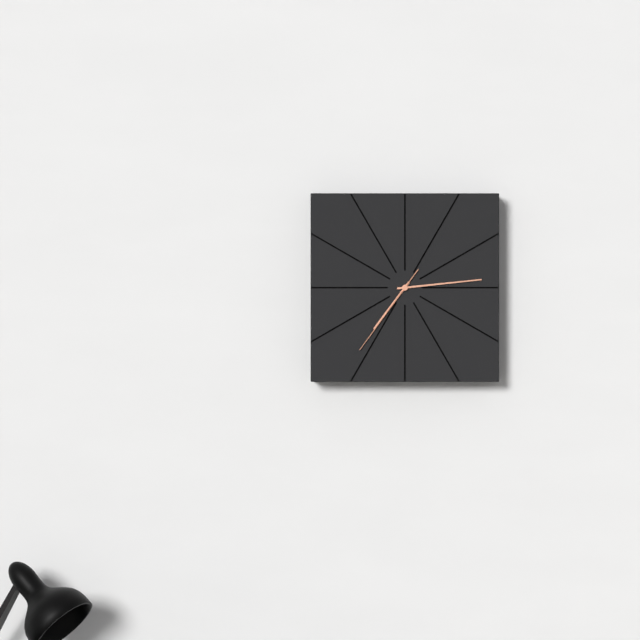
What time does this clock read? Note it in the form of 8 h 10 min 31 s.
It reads 7 h 14 min 36 s
